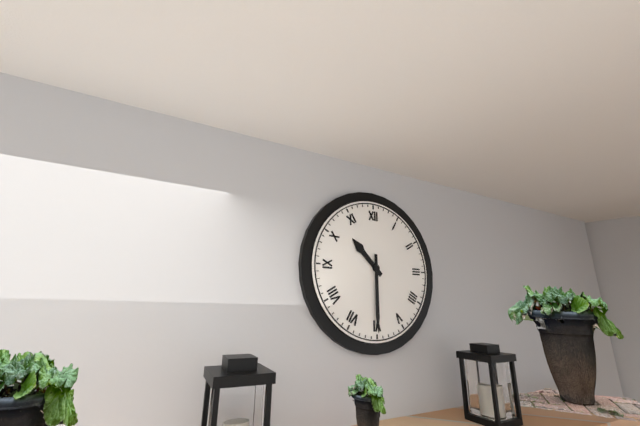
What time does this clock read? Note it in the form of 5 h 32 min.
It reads 10 h 30 min
